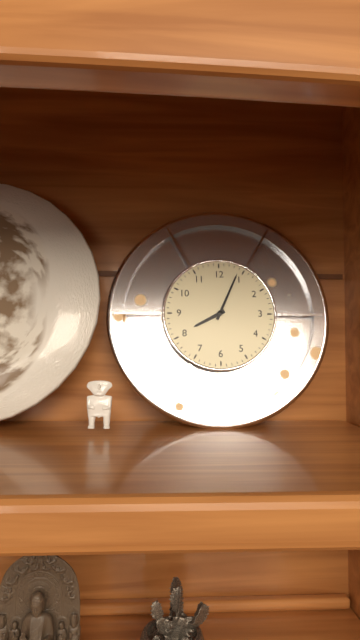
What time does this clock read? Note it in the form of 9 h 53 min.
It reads 8 h 04 min
